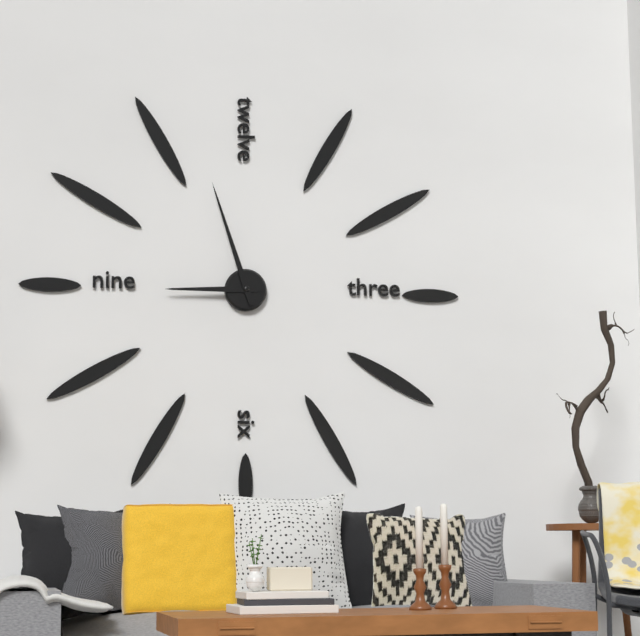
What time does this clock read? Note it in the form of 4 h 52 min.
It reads 8 h 57 min
